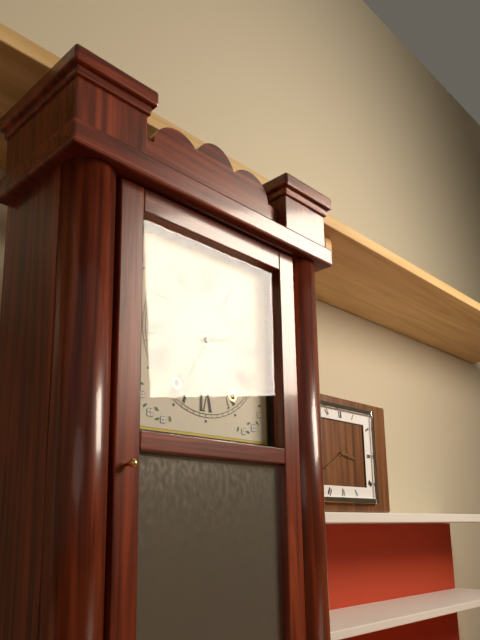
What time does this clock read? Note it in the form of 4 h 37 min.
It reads 2 h 35 min
